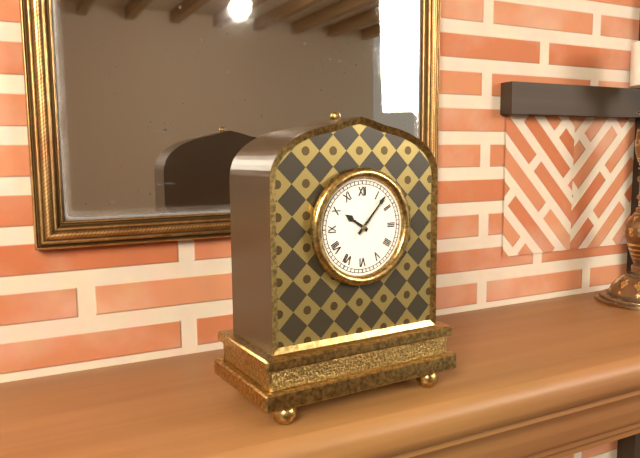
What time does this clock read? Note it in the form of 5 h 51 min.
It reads 10 h 07 min
